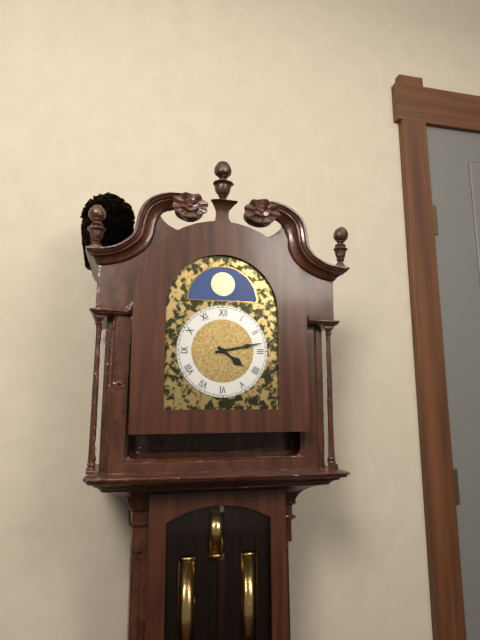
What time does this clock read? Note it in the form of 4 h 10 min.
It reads 4 h 13 min
